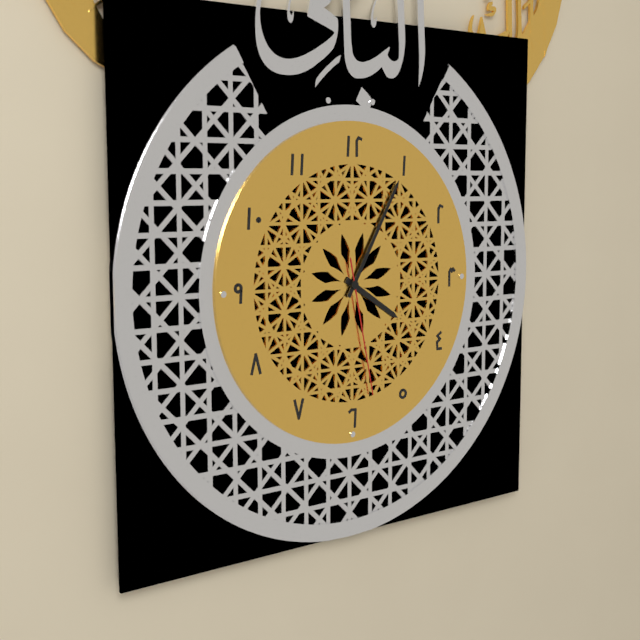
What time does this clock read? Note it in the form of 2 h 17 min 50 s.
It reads 4 h 05 min 28 s
